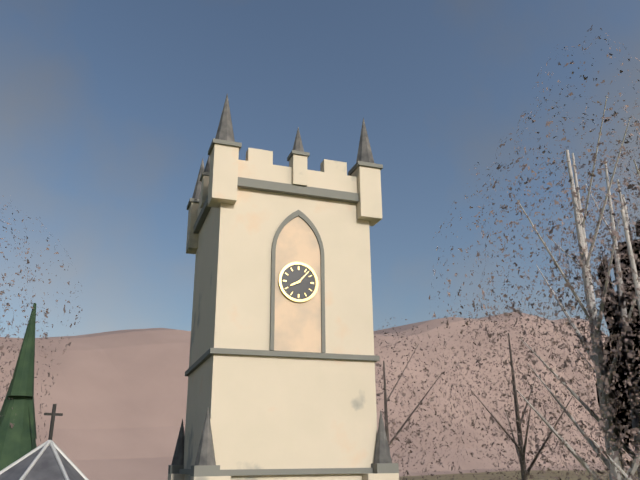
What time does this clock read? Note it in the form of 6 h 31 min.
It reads 8 h 07 min
